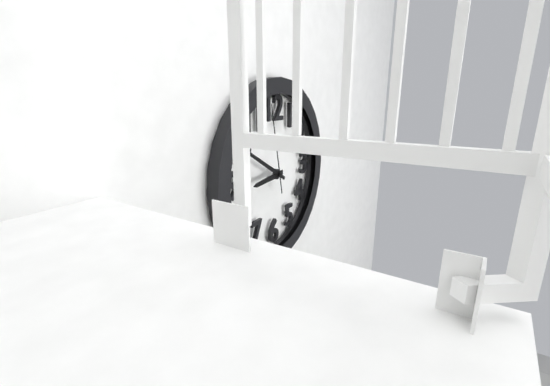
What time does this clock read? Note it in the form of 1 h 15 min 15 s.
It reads 8 h 50 min 58 s
